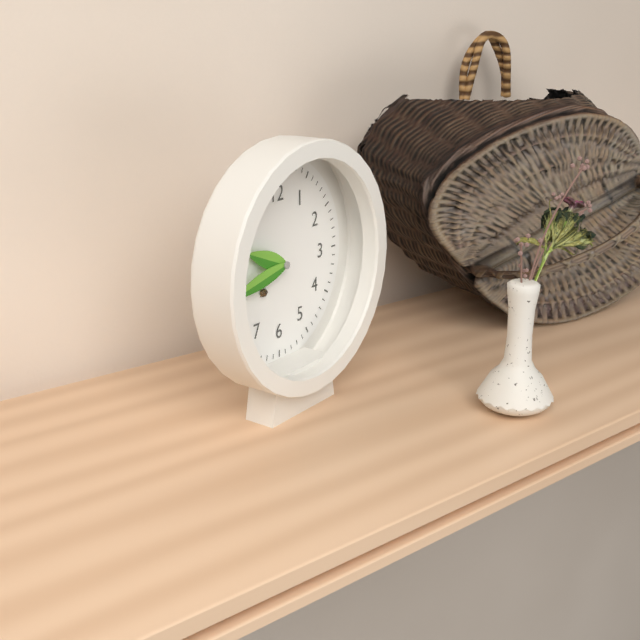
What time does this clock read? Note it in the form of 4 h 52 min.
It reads 9 h 43 min
